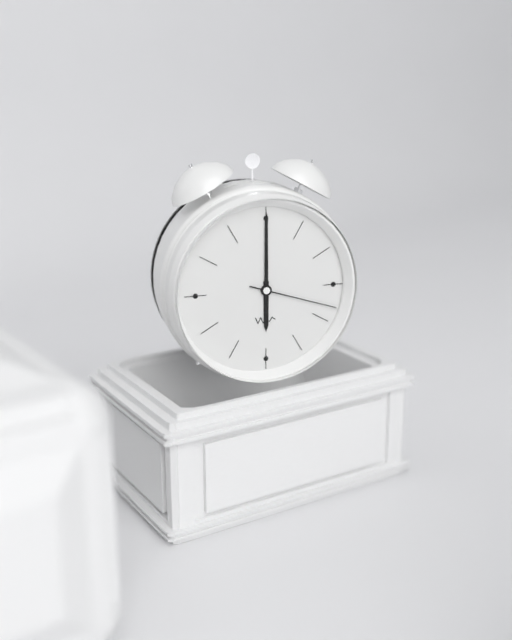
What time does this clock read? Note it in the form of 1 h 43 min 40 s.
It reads 6 h 00 min 18 s
